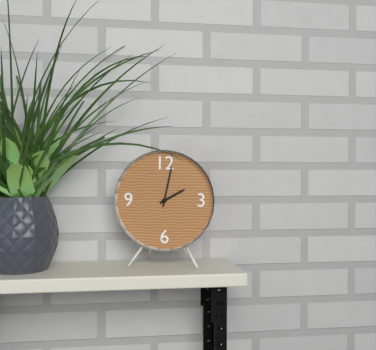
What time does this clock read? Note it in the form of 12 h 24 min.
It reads 2 h 02 min
